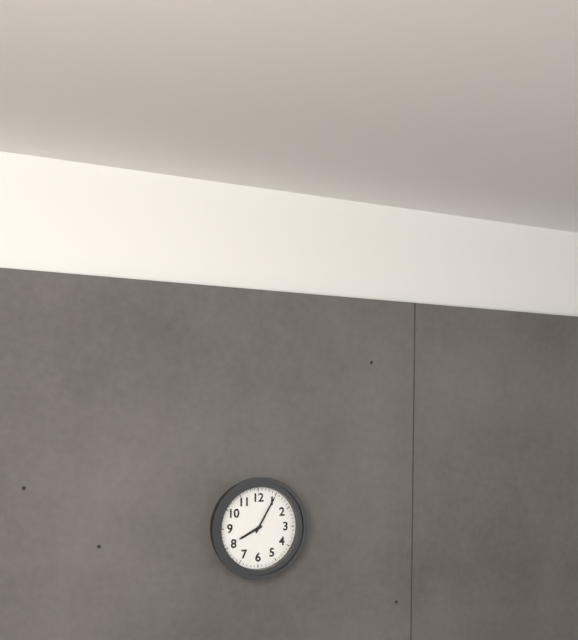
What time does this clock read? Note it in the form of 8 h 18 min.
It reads 8 h 05 min
